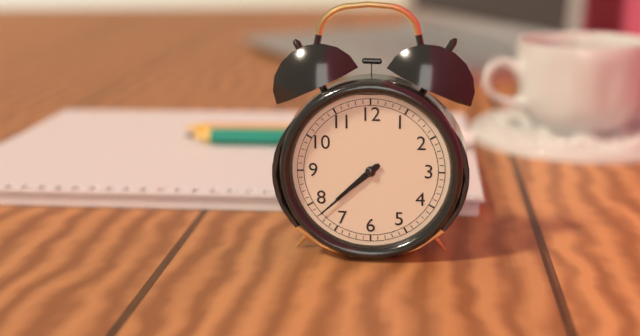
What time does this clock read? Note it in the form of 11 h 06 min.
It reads 7 h 38 min
